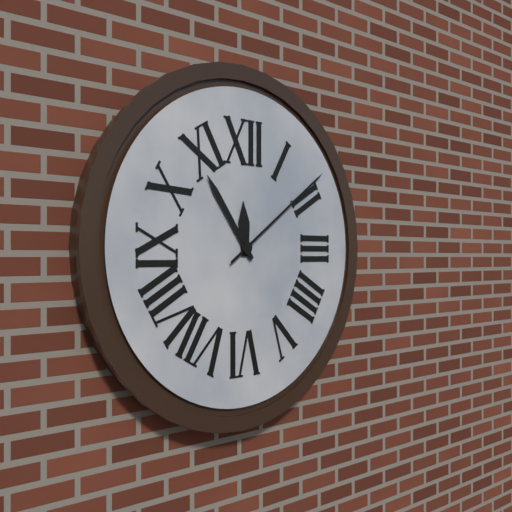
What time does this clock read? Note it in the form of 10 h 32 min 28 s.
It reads 11 h 54 min 09 s
